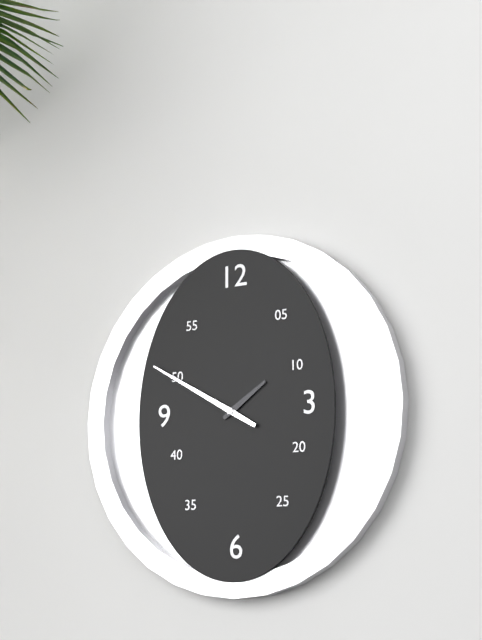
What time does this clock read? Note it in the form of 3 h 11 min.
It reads 1 h 50 min
